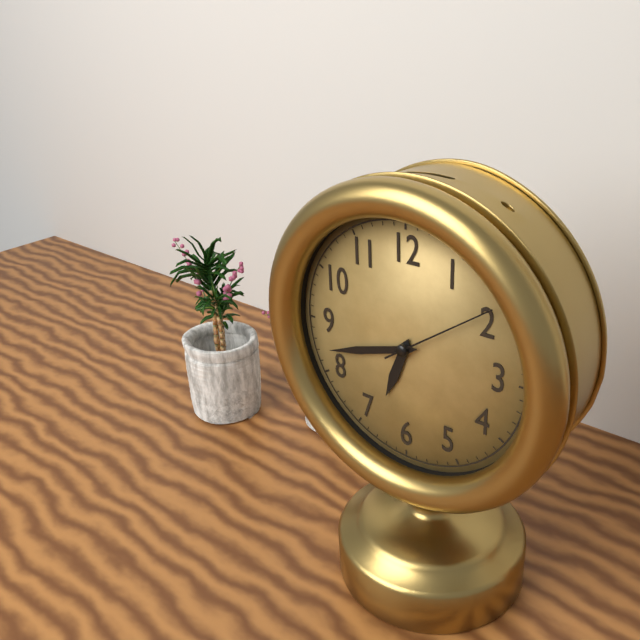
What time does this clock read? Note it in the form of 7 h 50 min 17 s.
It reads 6 h 42 min 09 s
